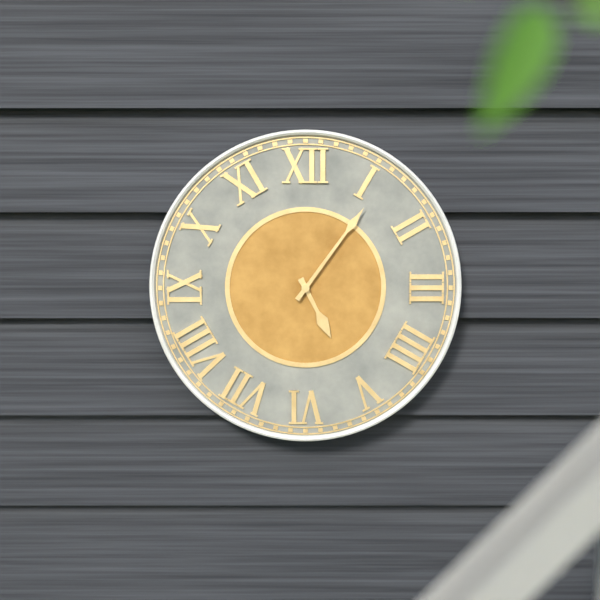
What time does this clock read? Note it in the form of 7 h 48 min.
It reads 5 h 06 min
